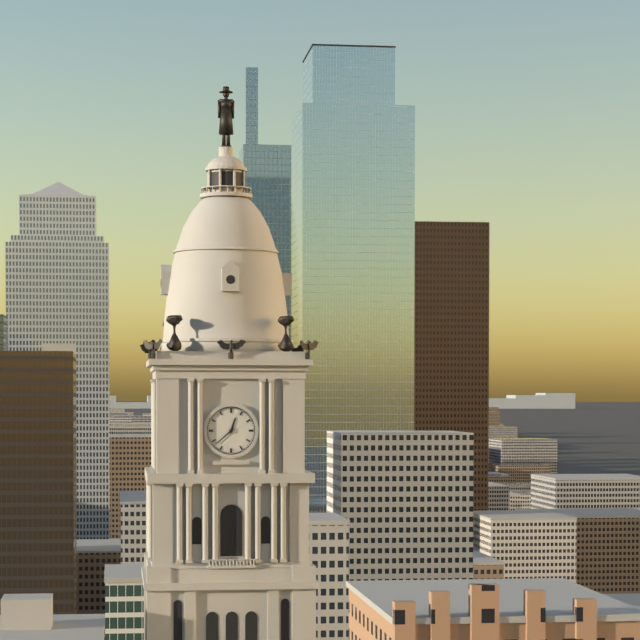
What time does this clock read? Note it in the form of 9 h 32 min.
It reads 12 h 38 min
